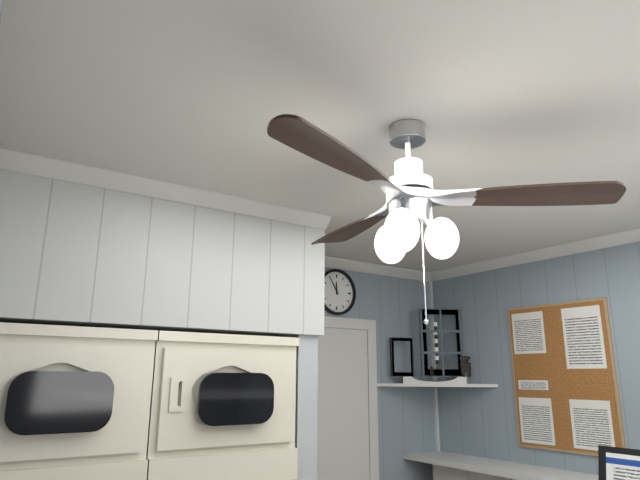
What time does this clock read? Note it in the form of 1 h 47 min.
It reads 11 h 55 min
